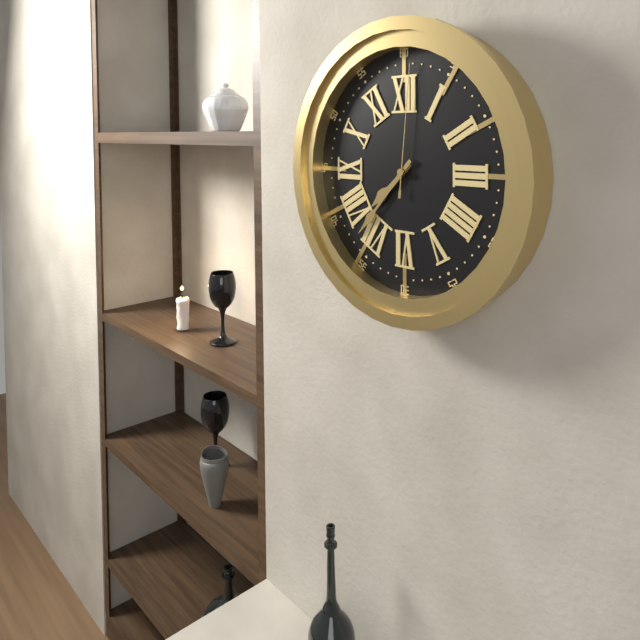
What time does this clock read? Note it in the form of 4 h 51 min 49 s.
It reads 7 h 37 min 01 s
